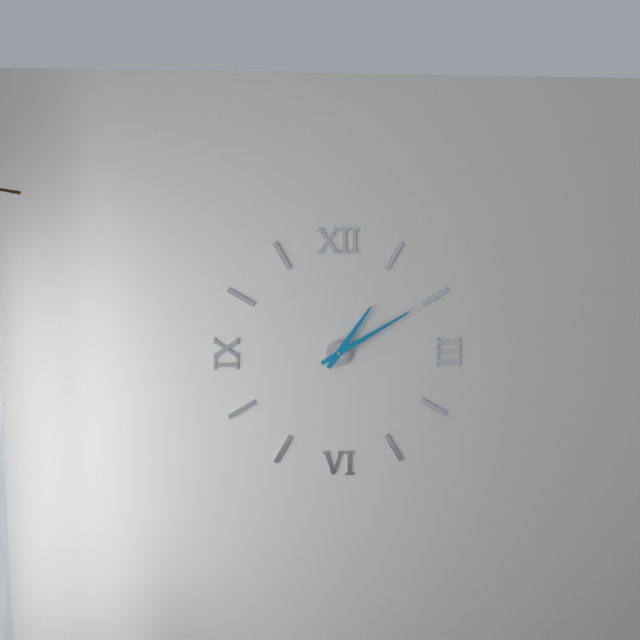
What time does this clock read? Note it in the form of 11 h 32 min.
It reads 1 h 10 min
